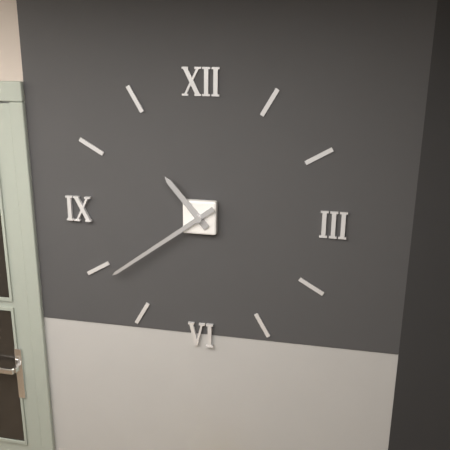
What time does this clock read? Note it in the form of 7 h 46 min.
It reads 10 h 39 min
